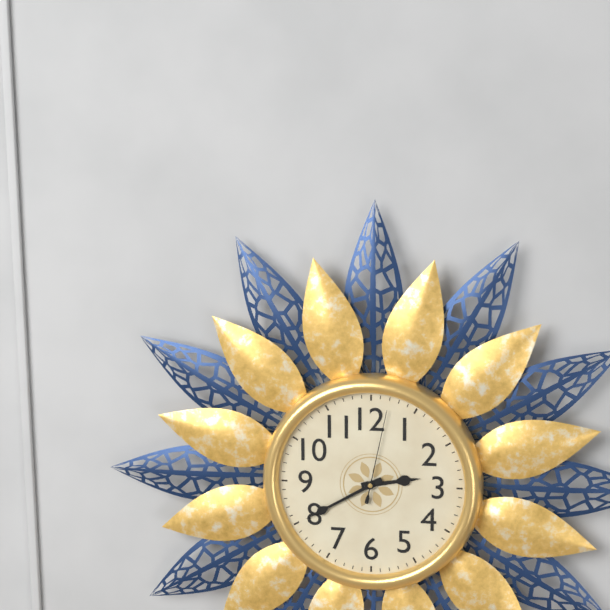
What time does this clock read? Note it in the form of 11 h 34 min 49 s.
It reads 2 h 40 min 02 s
